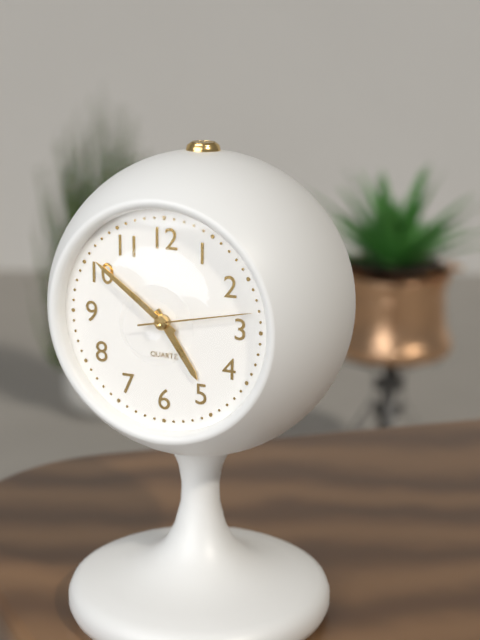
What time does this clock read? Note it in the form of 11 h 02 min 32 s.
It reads 4 h 51 min 13 s
